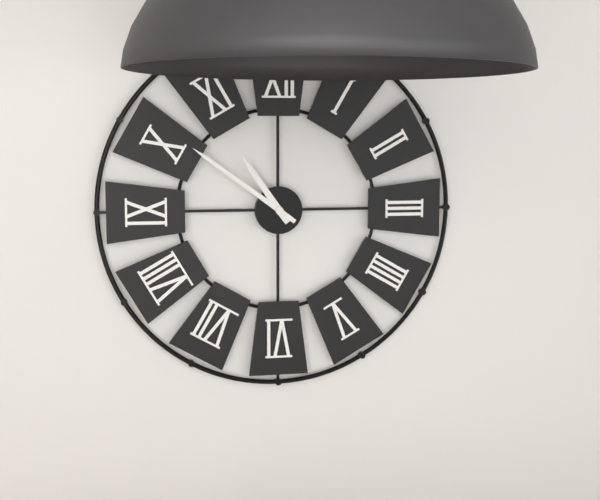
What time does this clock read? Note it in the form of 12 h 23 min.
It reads 10 h 51 min
